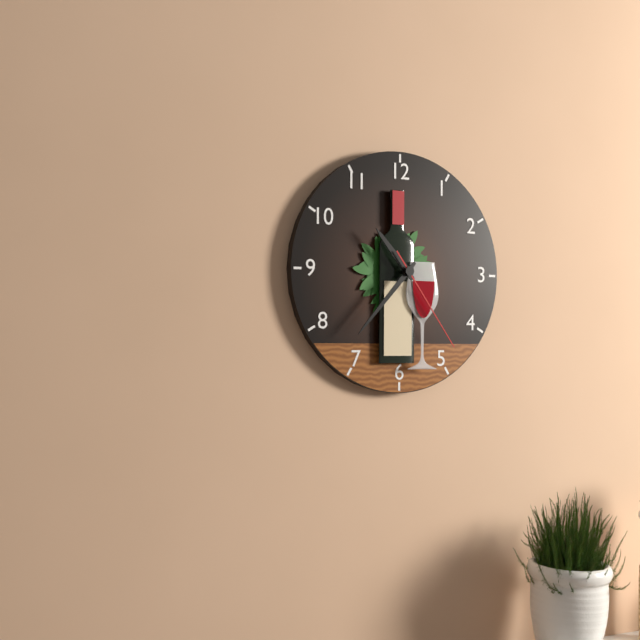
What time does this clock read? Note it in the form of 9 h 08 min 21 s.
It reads 10 h 37 min 24 s
